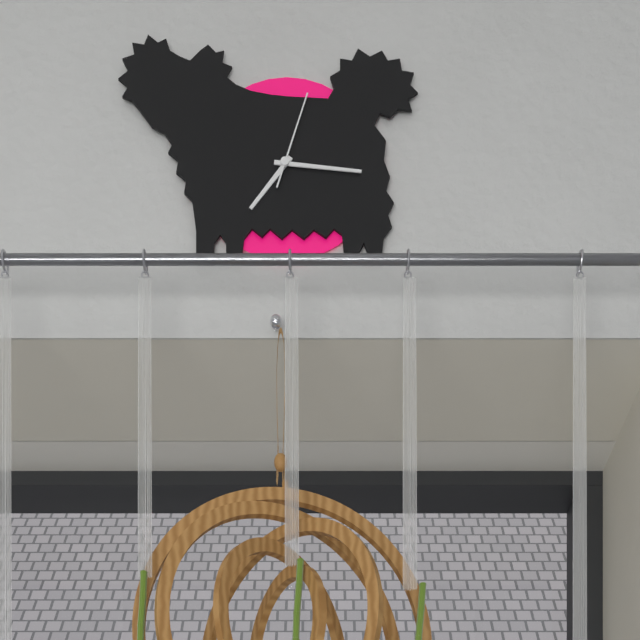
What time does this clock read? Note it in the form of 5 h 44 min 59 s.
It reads 7 h 16 min 03 s
